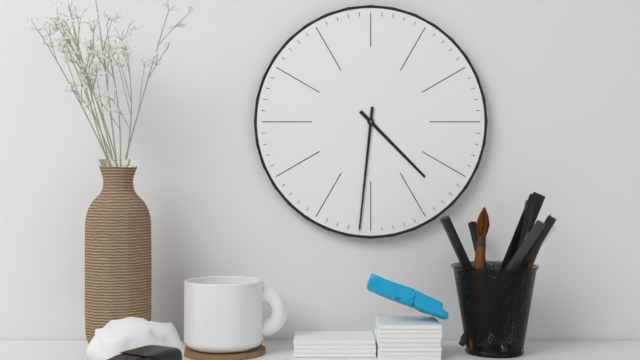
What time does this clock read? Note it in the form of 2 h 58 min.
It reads 4 h 31 min
